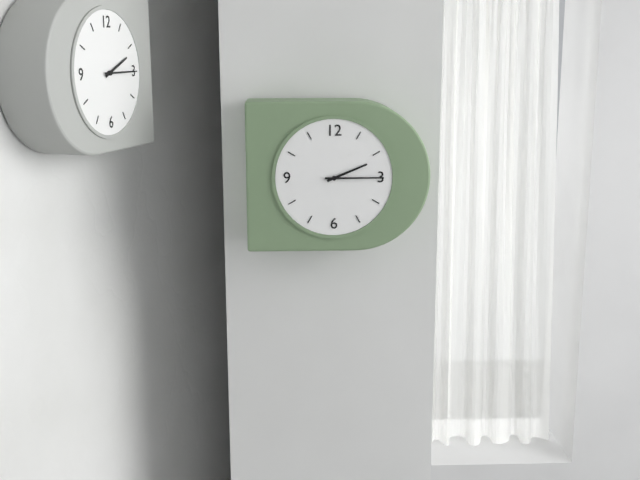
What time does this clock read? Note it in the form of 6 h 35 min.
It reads 2 h 15 min
